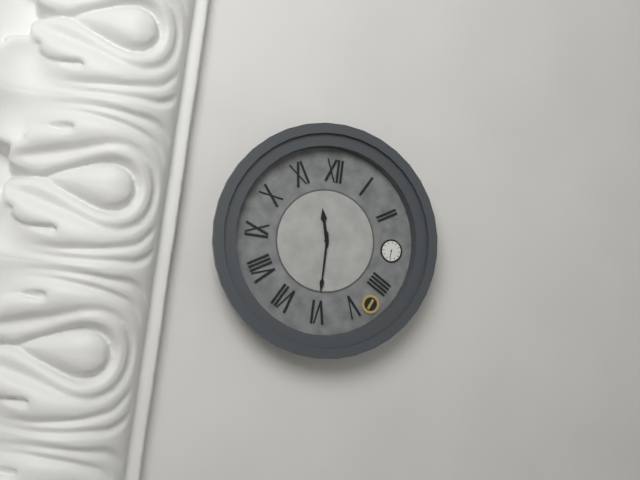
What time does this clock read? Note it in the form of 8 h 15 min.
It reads 11 h 30 min
